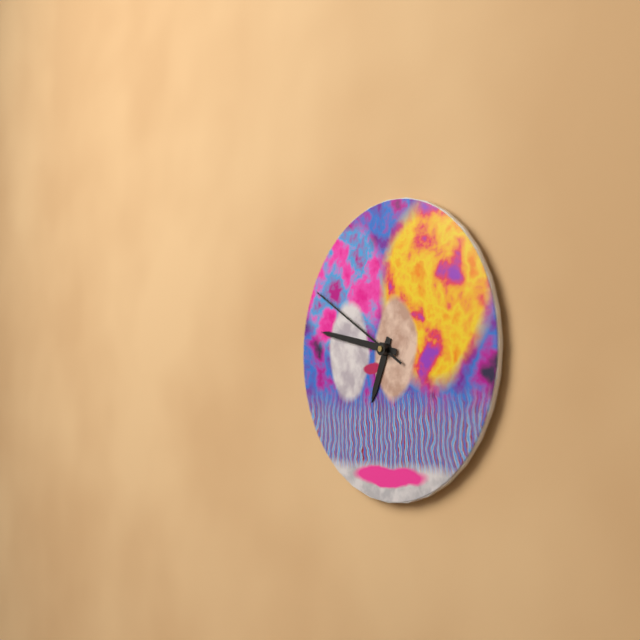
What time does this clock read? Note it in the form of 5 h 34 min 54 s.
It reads 6 h 47 min 50 s
